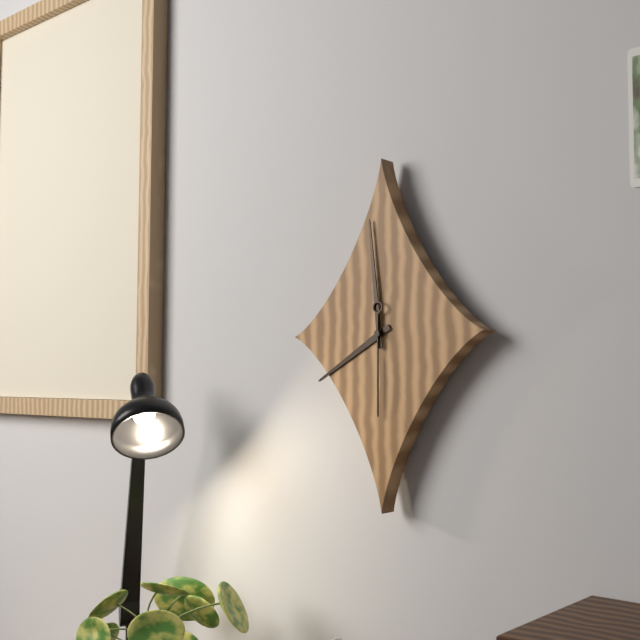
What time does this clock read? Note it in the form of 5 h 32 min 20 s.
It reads 7 h 59 min 30 s
